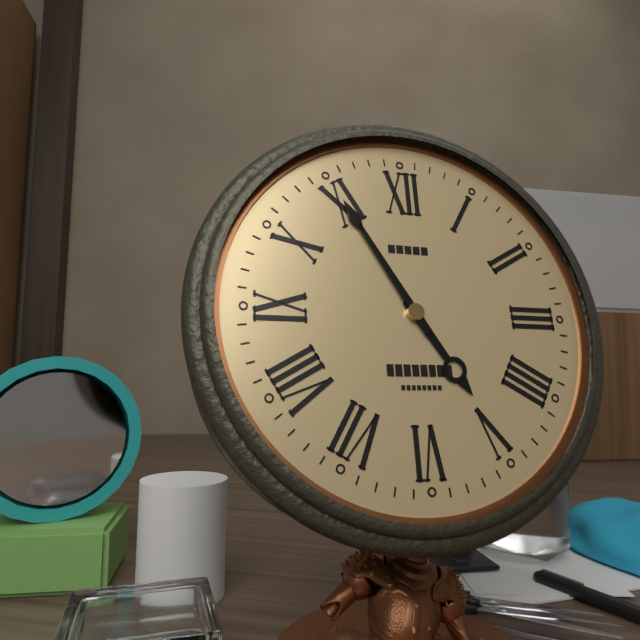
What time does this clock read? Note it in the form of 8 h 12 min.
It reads 4 h 55 min
